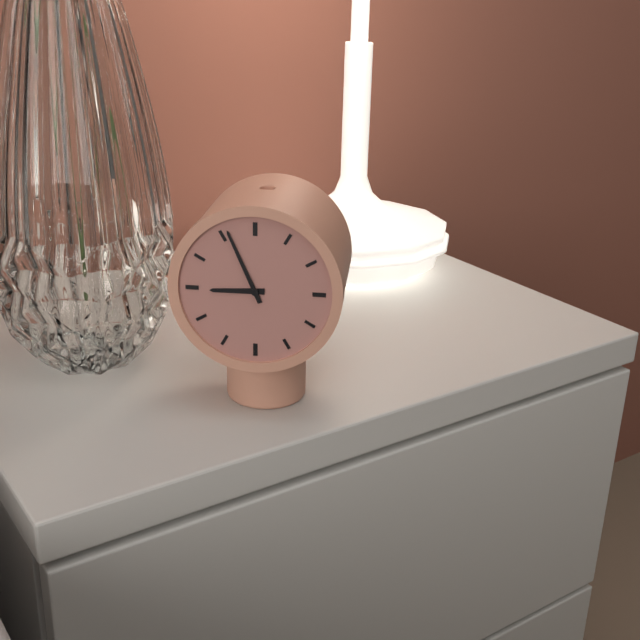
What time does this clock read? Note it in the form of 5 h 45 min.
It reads 8 h 56 min
